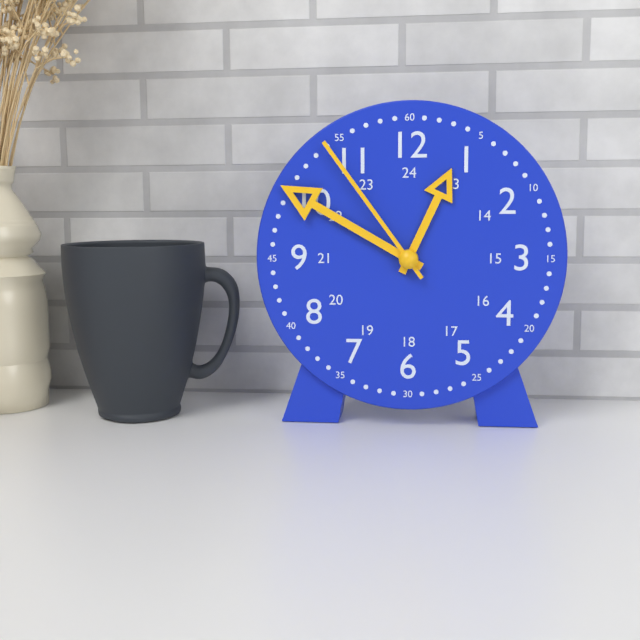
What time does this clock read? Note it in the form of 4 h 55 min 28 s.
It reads 12 h 50 min 54 s
